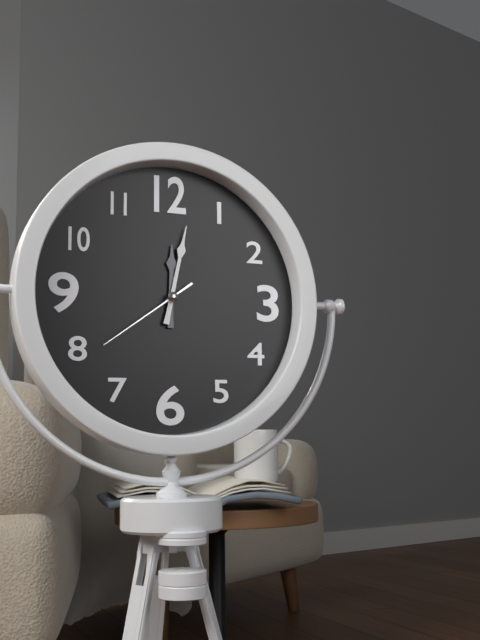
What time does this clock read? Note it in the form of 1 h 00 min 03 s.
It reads 12 h 02 min 39 s
